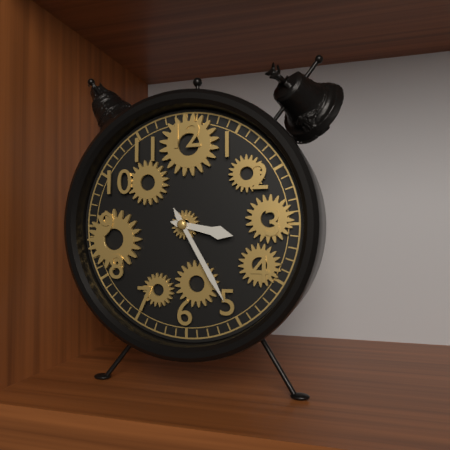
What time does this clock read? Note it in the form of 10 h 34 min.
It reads 3 h 25 min
